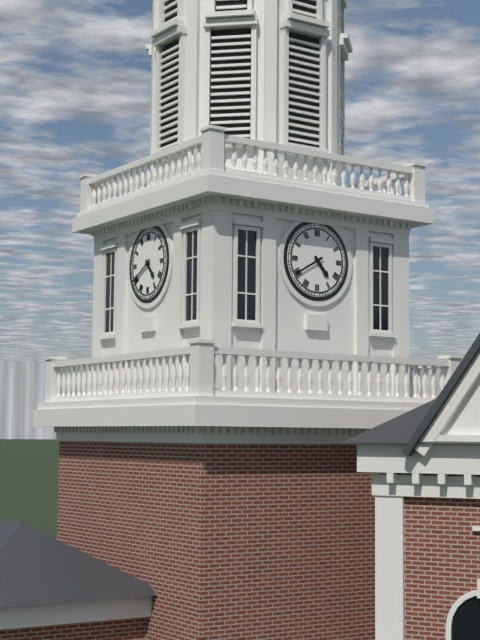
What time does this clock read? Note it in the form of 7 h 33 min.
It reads 4 h 40 min
